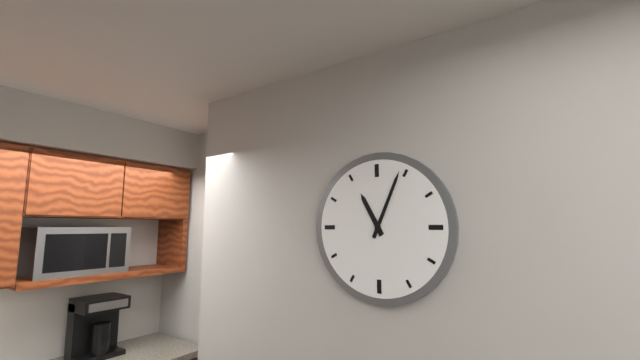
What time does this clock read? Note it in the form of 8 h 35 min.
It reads 11 h 04 min
